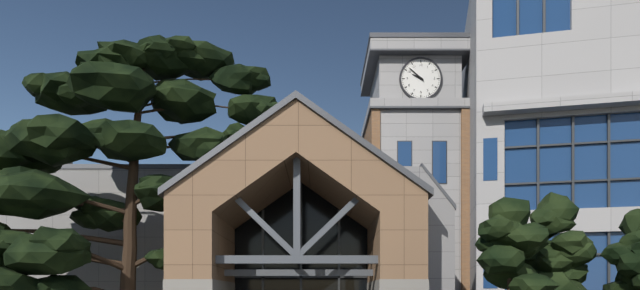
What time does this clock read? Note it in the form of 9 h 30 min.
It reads 9 h 52 min
